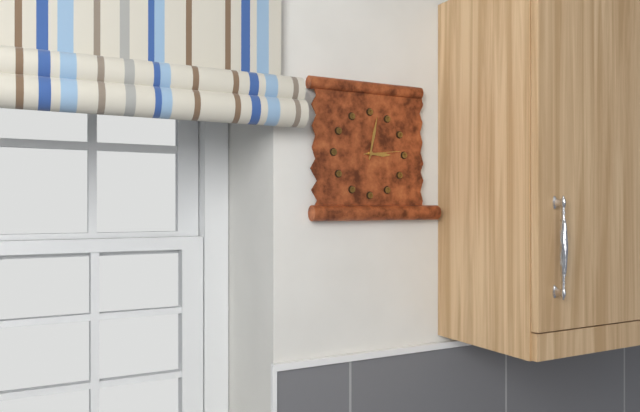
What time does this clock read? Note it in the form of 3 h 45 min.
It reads 3 h 02 min
